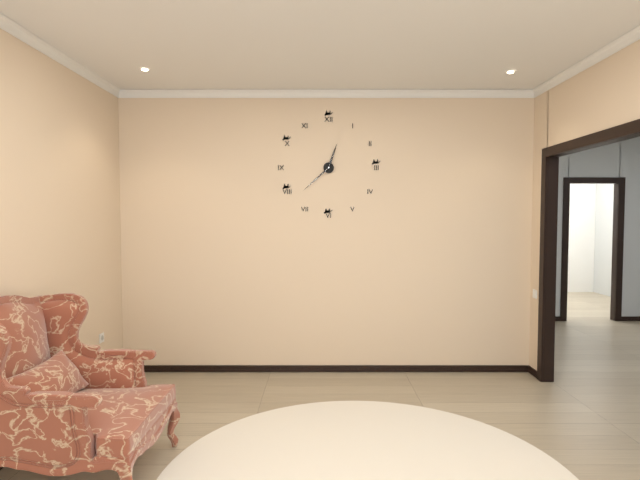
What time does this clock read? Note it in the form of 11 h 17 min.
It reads 12 h 38 min
